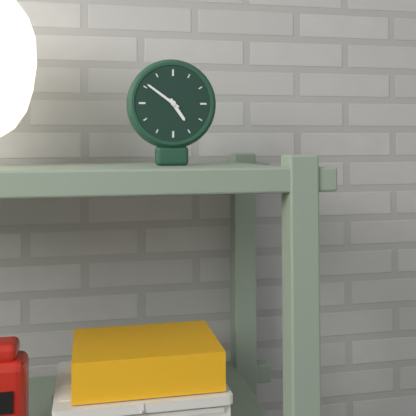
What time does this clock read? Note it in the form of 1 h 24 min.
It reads 4 h 51 min
